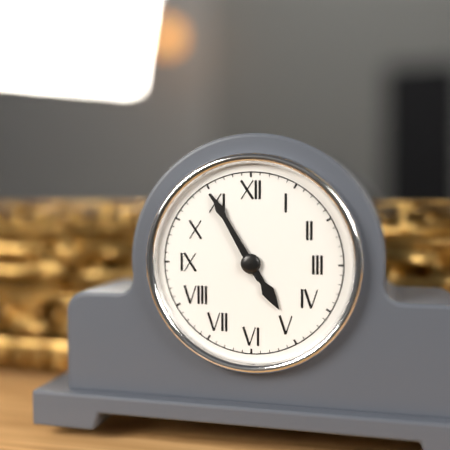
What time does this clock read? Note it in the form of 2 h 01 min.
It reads 4 h 55 min
